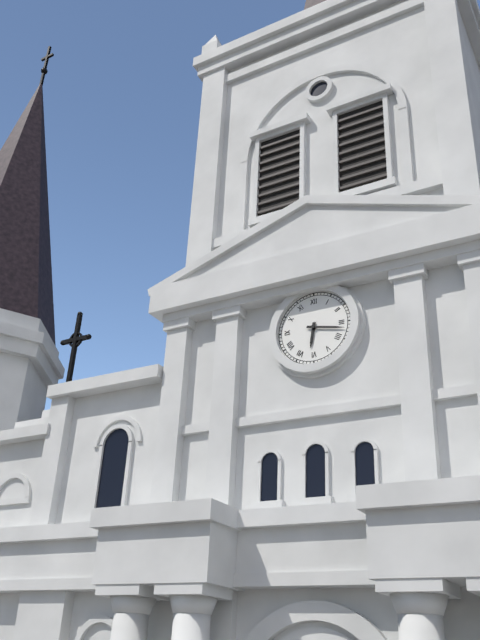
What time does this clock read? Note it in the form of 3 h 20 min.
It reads 6 h 17 min
